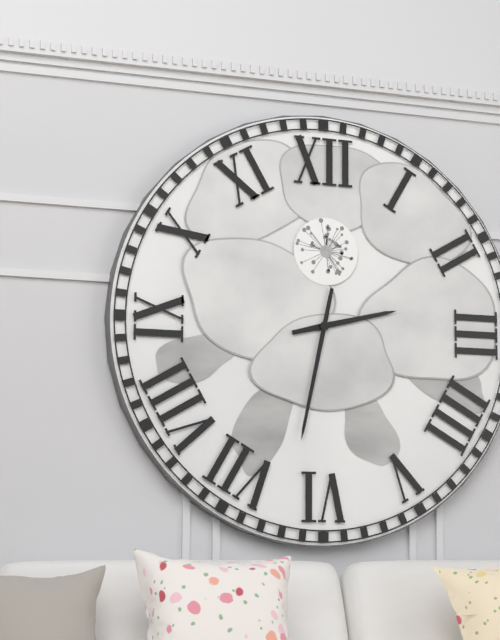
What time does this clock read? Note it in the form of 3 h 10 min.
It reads 2 h 32 min
